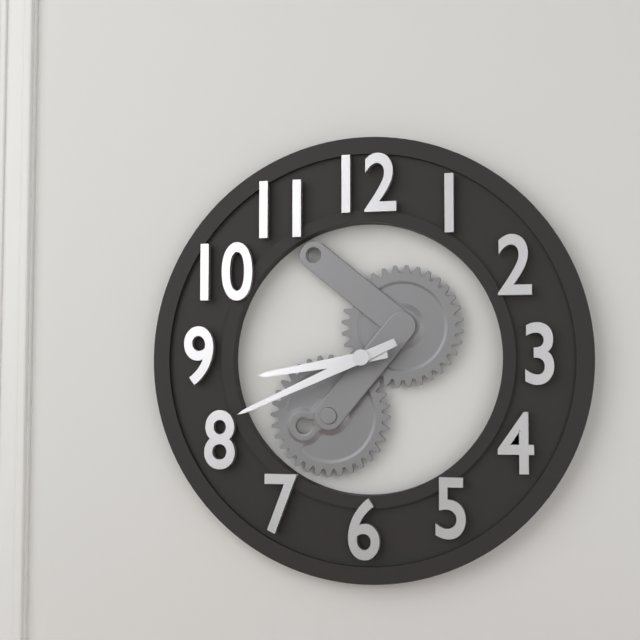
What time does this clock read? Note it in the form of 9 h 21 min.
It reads 8 h 41 min
